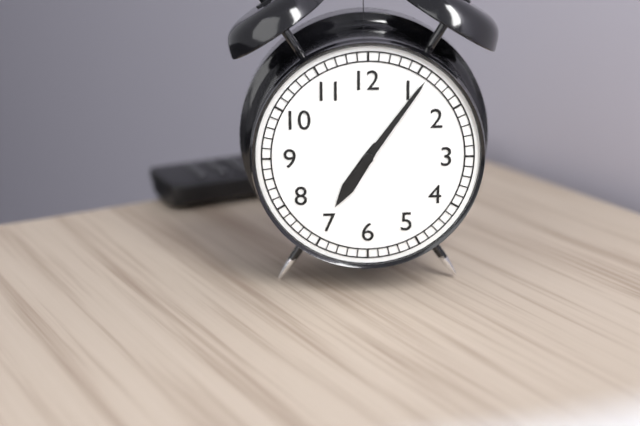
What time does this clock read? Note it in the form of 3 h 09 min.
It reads 7 h 06 min
